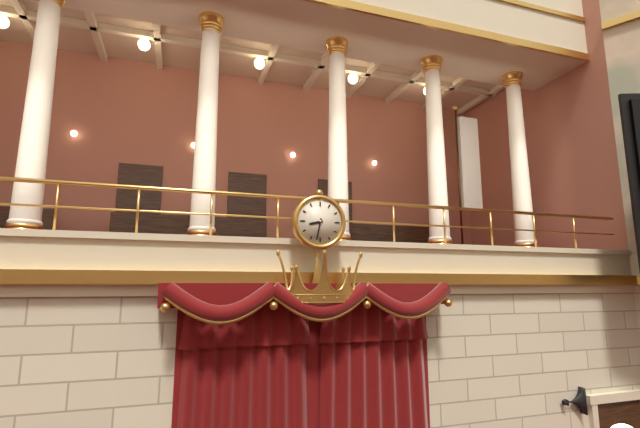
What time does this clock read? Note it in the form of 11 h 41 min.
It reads 8 h 32 min
